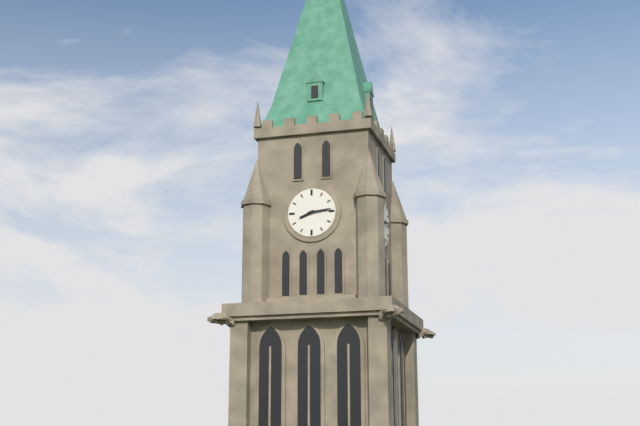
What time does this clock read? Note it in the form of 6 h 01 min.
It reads 8 h 14 min
